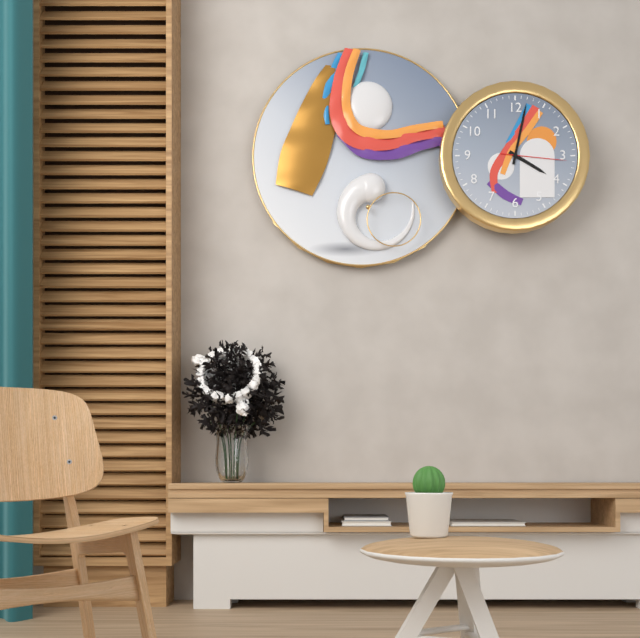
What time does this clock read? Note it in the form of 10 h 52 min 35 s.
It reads 4 h 02 min 16 s
